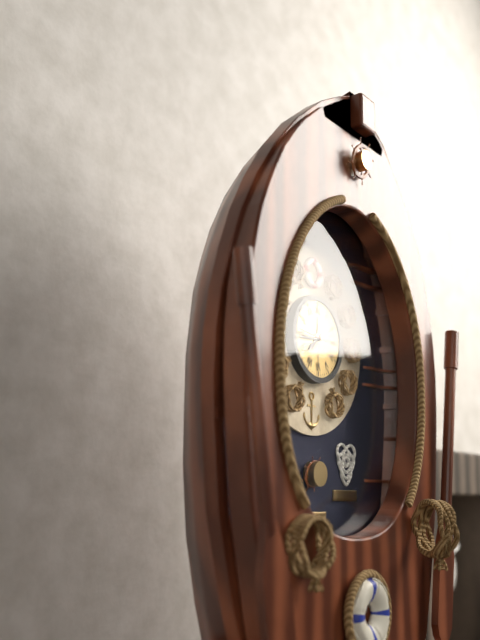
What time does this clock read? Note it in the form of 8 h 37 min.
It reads 7 h 44 min
